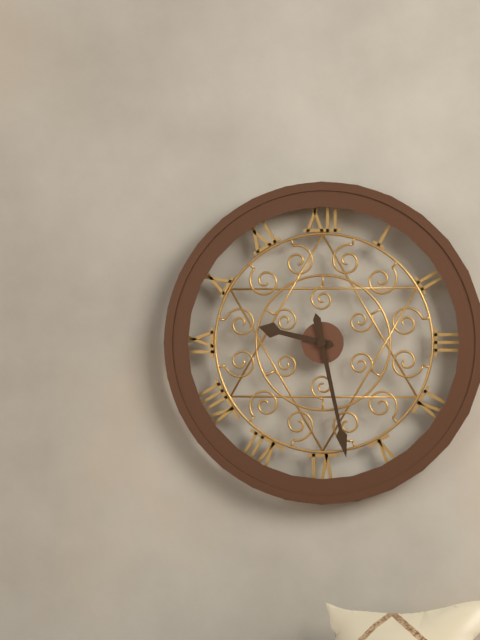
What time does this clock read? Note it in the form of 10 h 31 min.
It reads 9 h 28 min
